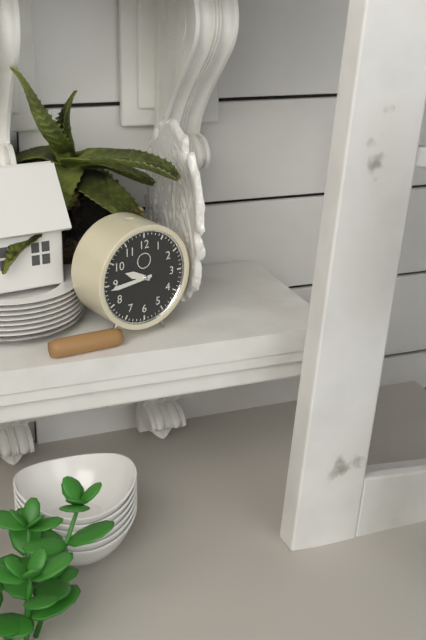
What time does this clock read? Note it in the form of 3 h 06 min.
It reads 9 h 44 min
